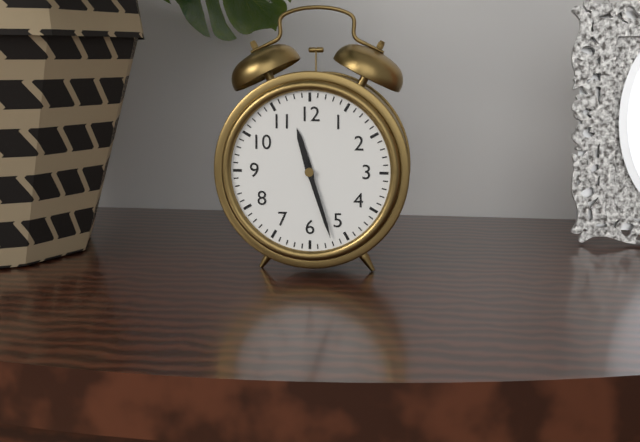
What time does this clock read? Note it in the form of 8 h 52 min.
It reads 11 h 27 min
